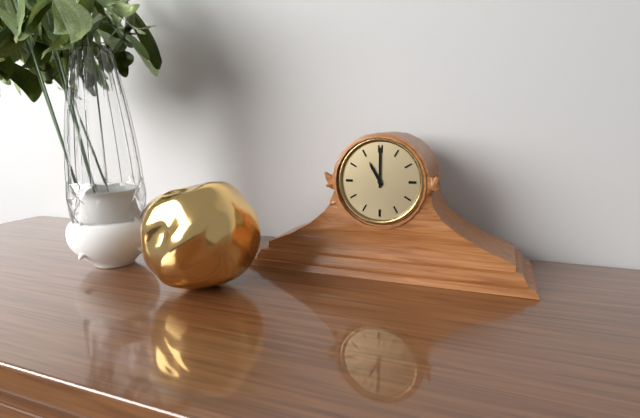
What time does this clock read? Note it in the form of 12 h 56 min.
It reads 11 h 00 min
